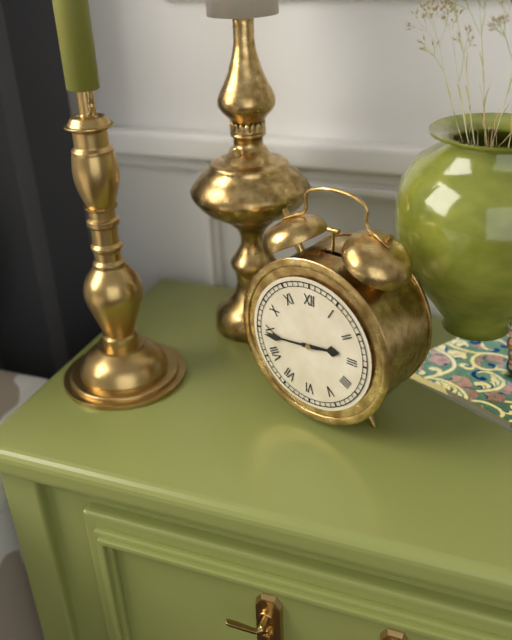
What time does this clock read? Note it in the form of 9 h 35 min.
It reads 2 h 44 min
